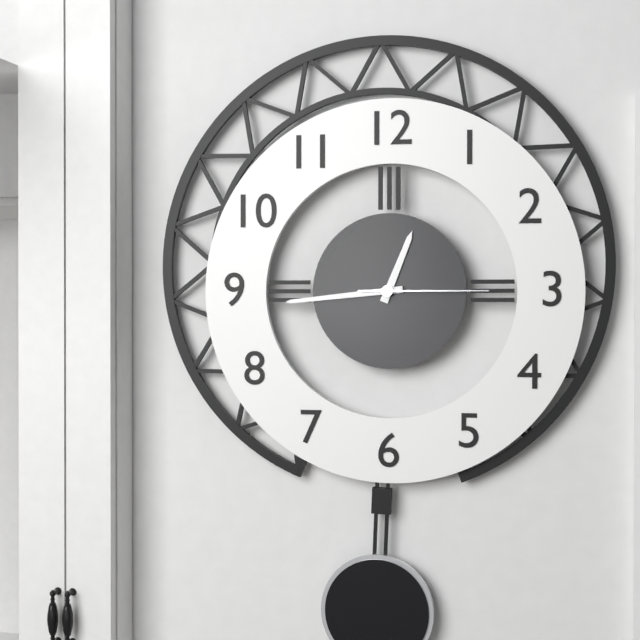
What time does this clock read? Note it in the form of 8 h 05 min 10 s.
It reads 12 h 44 min 15 s
